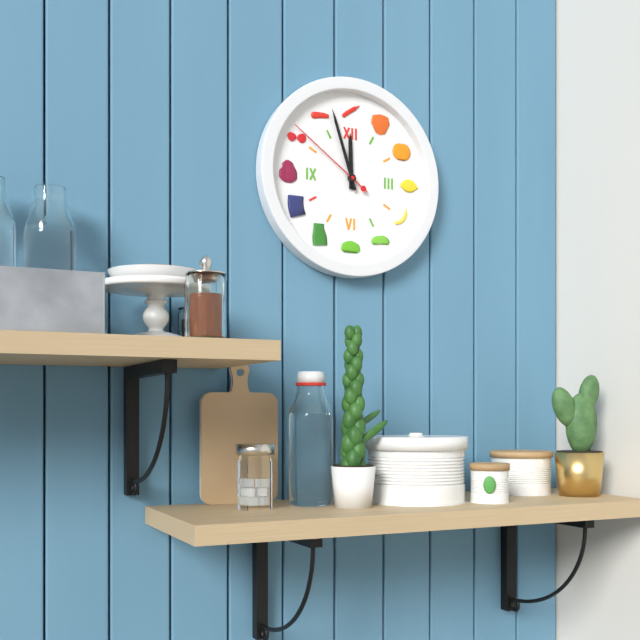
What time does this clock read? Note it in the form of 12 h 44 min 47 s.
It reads 11 h 57 min 51 s
